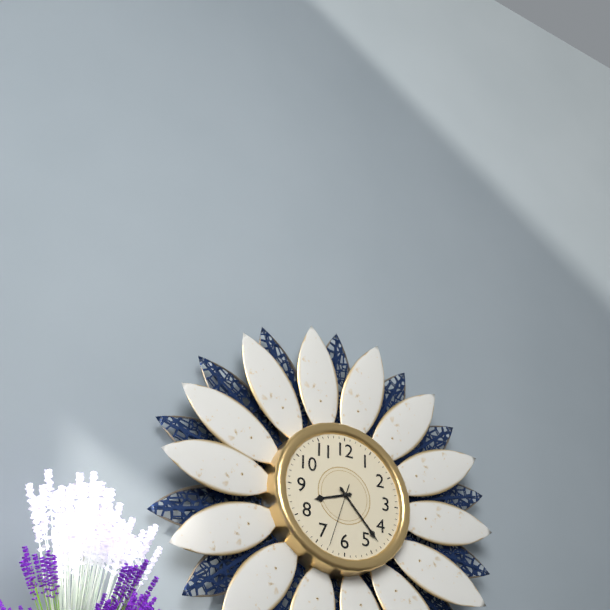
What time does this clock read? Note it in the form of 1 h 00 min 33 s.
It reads 8 h 23 min 33 s
